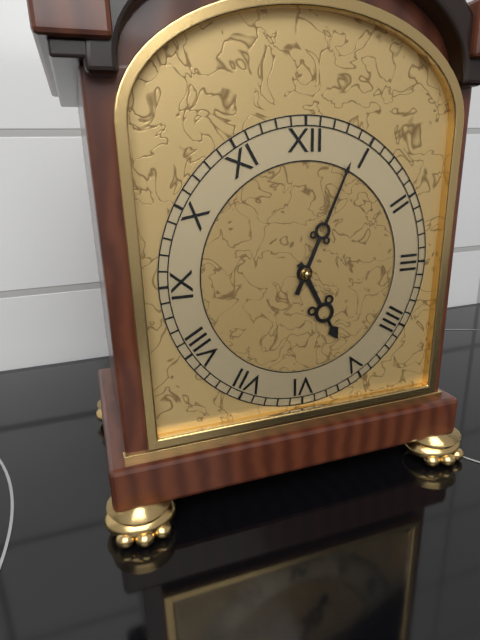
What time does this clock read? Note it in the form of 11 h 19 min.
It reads 5 h 04 min
